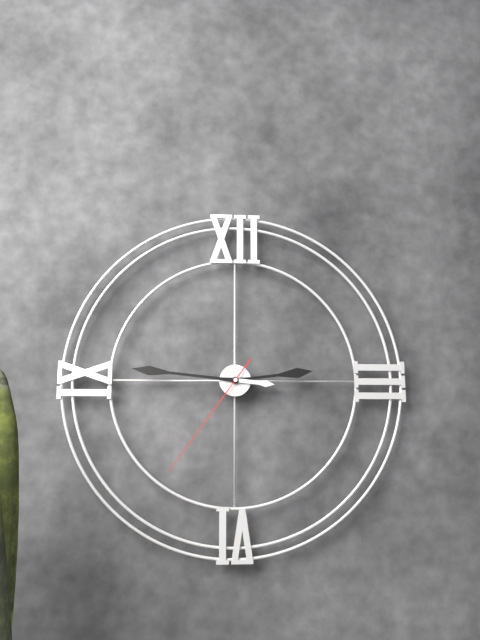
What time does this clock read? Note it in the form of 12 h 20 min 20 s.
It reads 2 h 46 min 36 s
